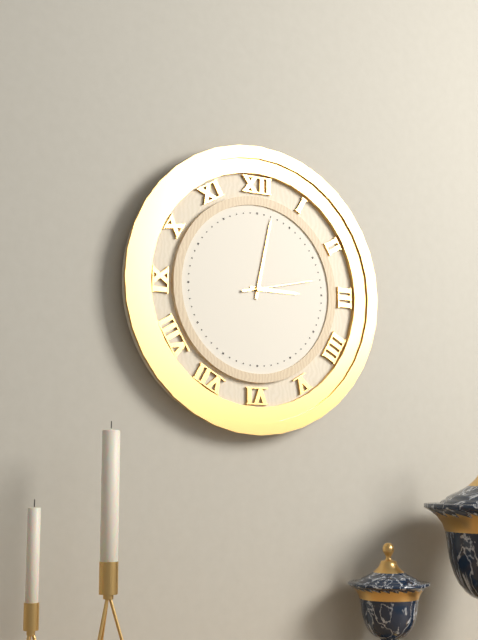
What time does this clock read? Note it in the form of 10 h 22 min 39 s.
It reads 3 h 02 min 13 s
